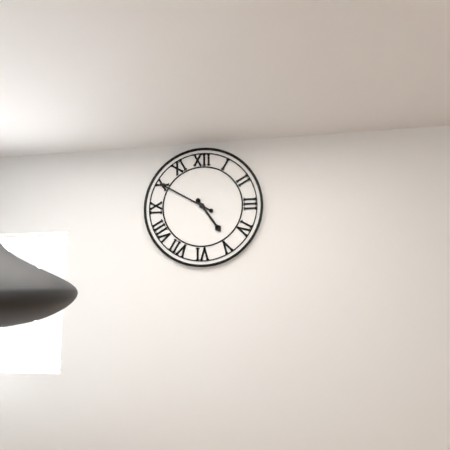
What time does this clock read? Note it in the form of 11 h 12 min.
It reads 4 h 50 min
